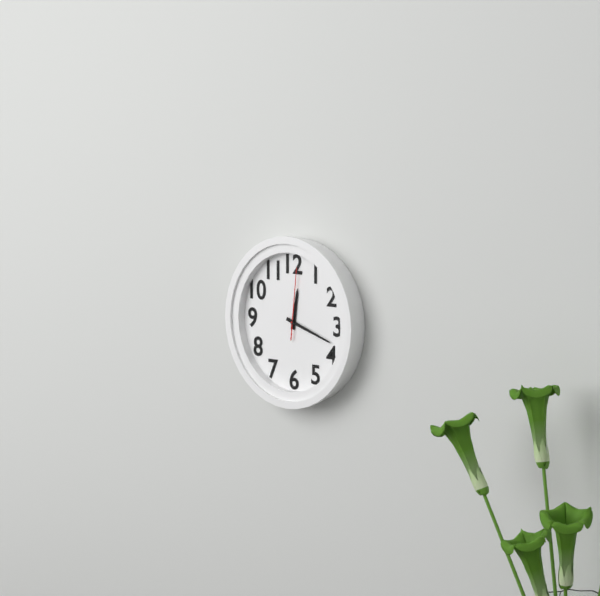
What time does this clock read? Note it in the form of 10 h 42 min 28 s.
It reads 12 h 18 min 01 s
